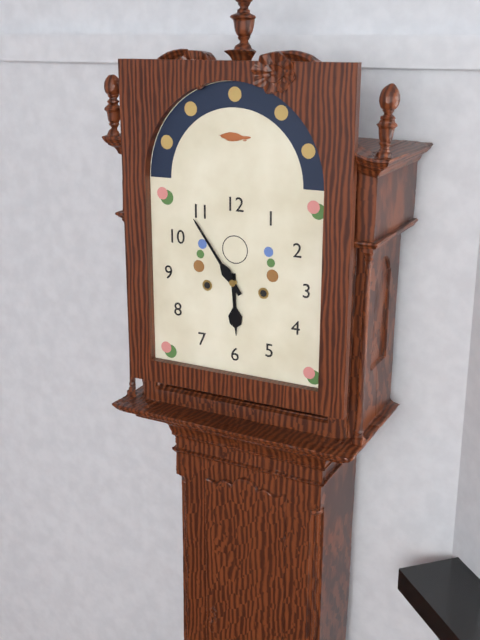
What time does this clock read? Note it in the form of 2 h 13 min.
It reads 5 h 54 min
